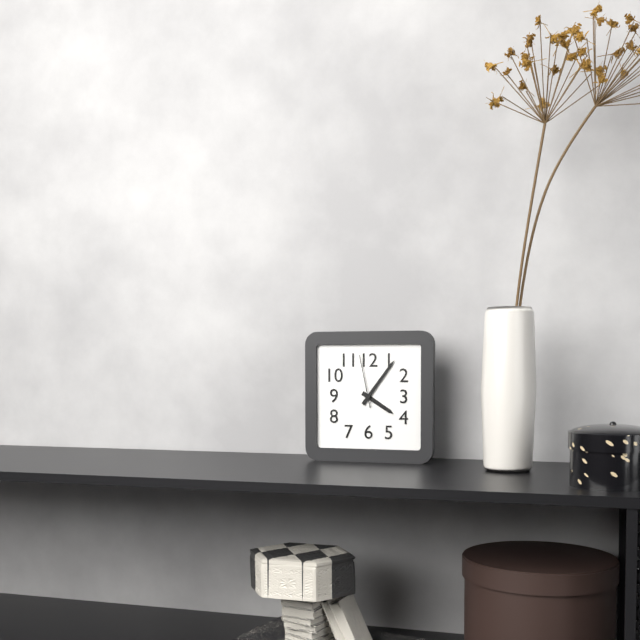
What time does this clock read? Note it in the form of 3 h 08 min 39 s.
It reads 4 h 06 min 58 s
